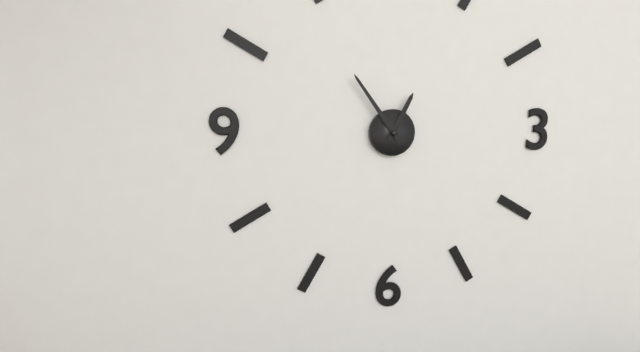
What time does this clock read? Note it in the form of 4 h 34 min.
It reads 12 h 54 min
